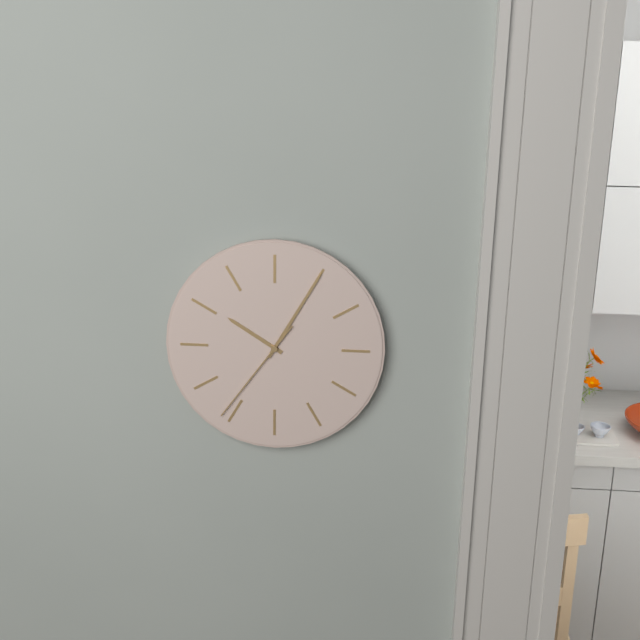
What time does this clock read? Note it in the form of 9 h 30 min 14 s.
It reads 10 h 05 min 36 s
